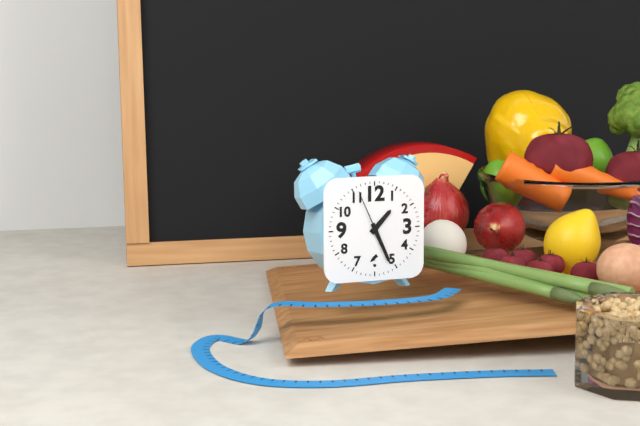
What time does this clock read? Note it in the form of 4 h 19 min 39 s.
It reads 1 h 26 min 56 s
